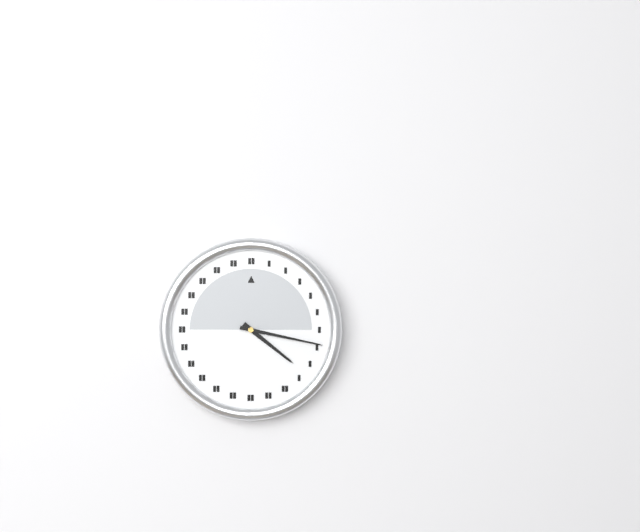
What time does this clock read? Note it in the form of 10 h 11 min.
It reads 4 h 17 min
